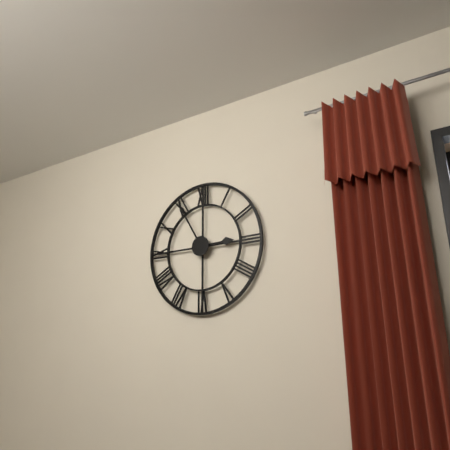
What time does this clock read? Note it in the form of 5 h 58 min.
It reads 2 h 55 min
